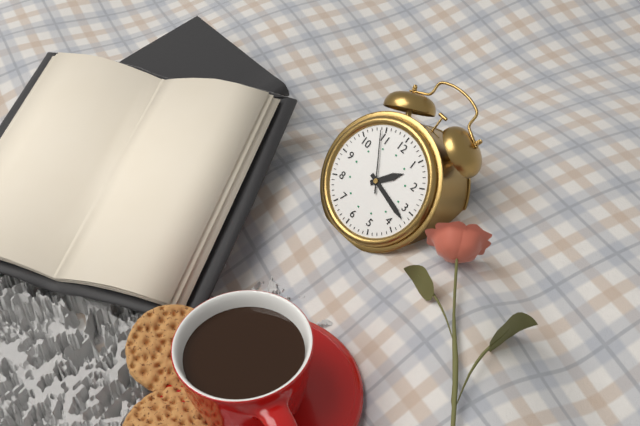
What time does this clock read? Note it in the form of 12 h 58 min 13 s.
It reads 1 h 17 min 54 s
